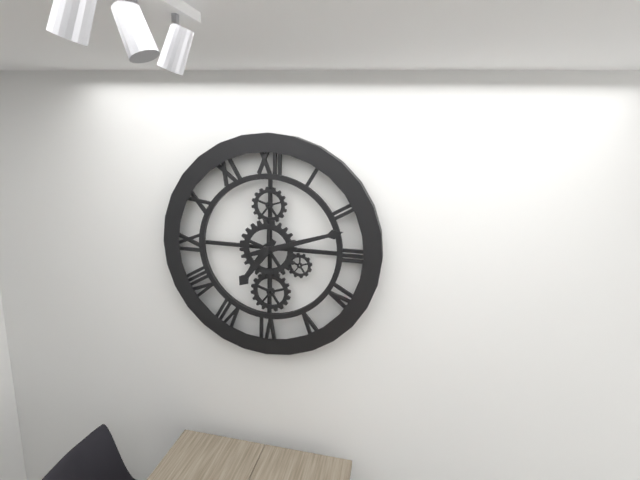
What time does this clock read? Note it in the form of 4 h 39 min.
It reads 7 h 12 min
